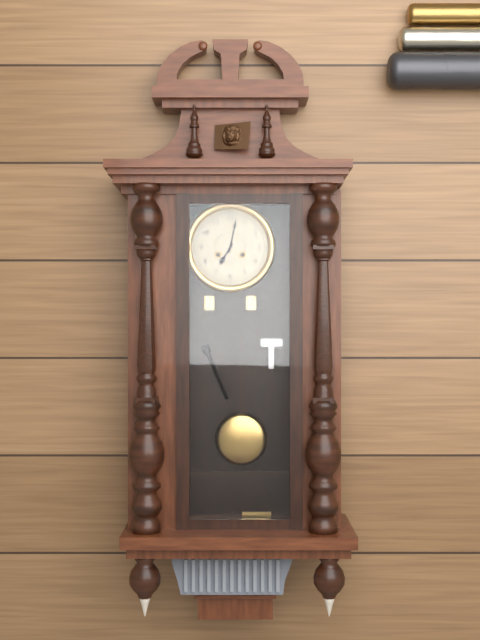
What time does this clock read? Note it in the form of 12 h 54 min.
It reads 7 h 02 min
